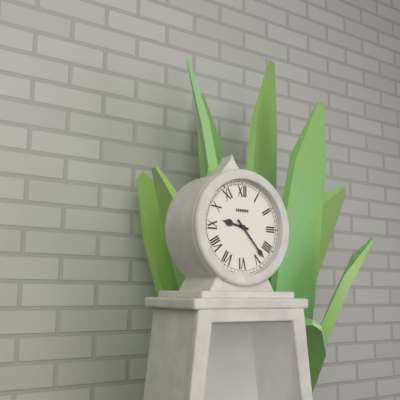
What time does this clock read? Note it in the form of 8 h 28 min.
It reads 9 h 23 min
